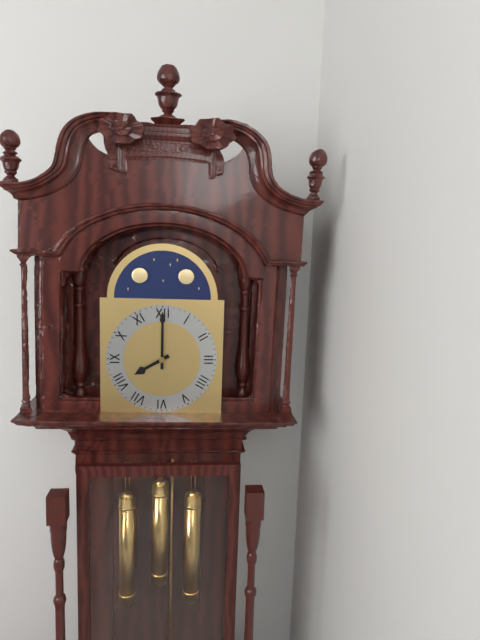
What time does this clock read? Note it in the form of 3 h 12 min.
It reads 8 h 00 min
